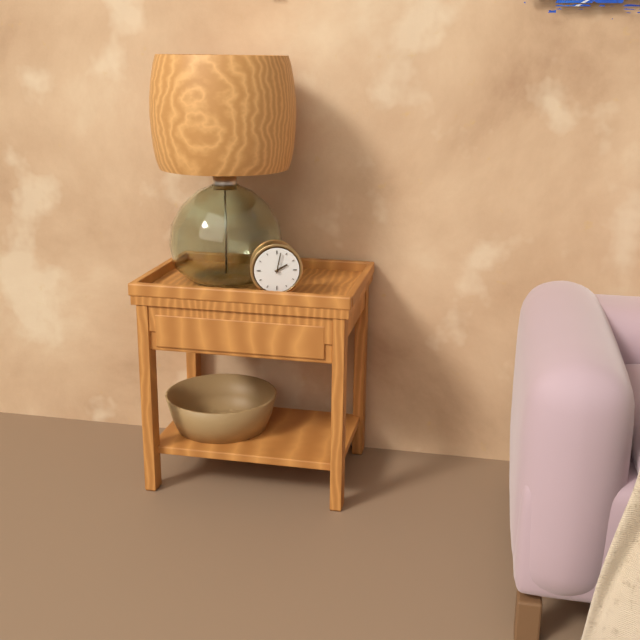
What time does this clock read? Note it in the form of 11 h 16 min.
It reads 2 h 02 min
